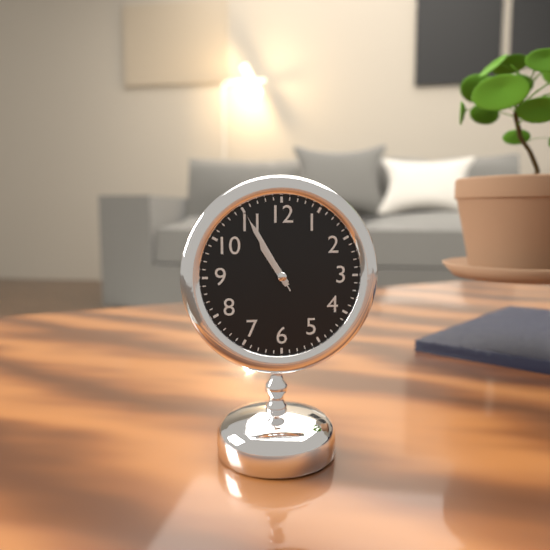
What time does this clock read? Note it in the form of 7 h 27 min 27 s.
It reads 10 h 55 min 55 s
